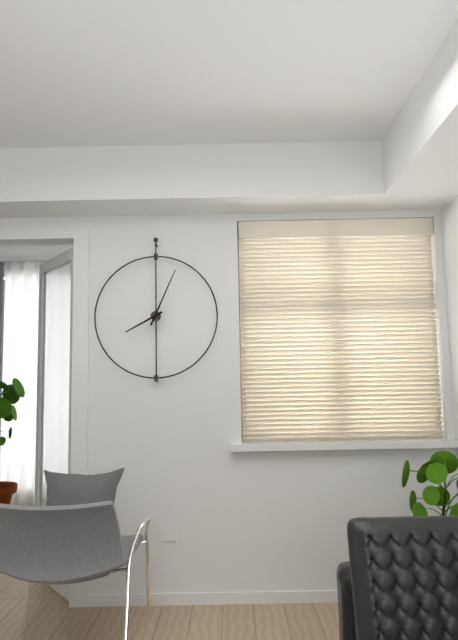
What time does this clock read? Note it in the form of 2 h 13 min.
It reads 8 h 04 min
